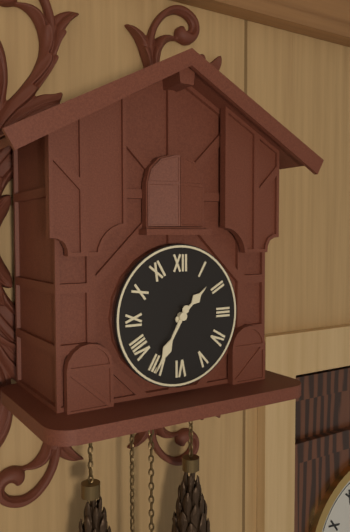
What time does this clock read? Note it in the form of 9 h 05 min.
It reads 1 h 35 min
